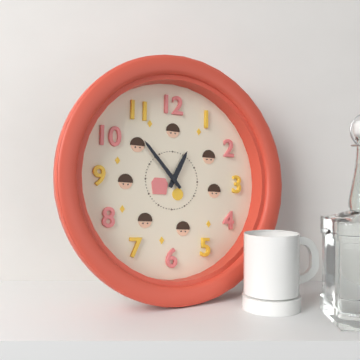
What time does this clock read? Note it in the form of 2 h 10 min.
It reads 12 h 53 min
